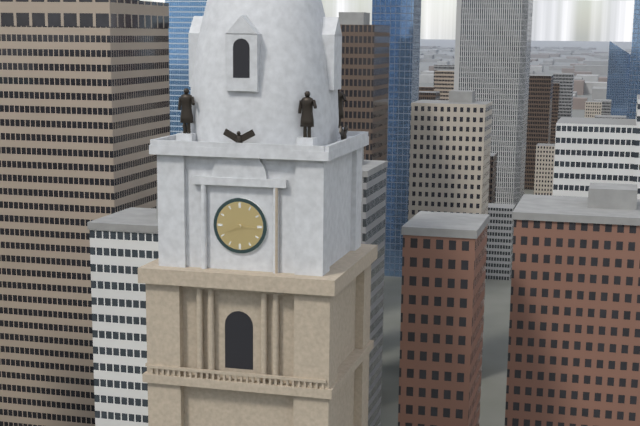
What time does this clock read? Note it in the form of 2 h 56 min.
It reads 8 h 16 min
